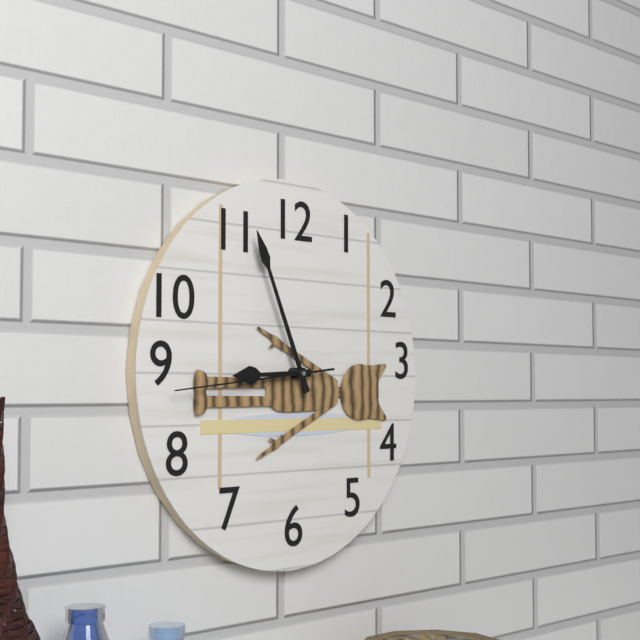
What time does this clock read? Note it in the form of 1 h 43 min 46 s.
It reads 8 h 56 min 44 s
